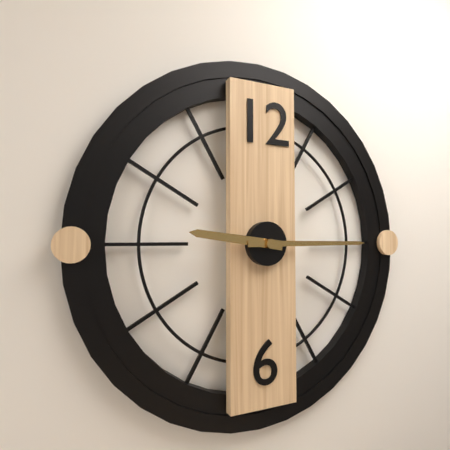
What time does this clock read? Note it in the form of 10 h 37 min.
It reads 9 h 15 min
